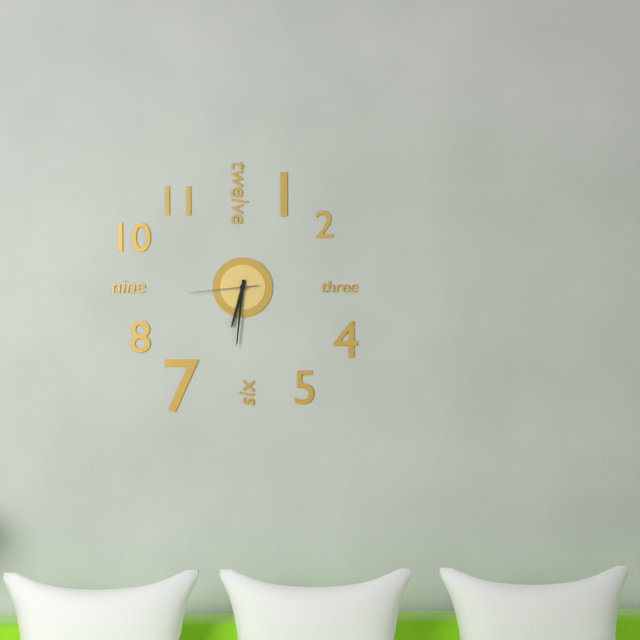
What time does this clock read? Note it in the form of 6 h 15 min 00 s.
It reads 6 h 31 min 44 s
